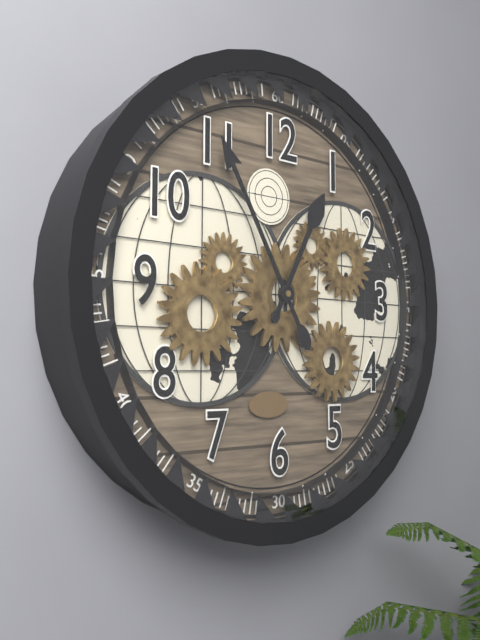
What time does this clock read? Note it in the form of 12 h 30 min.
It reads 12 h 55 min
